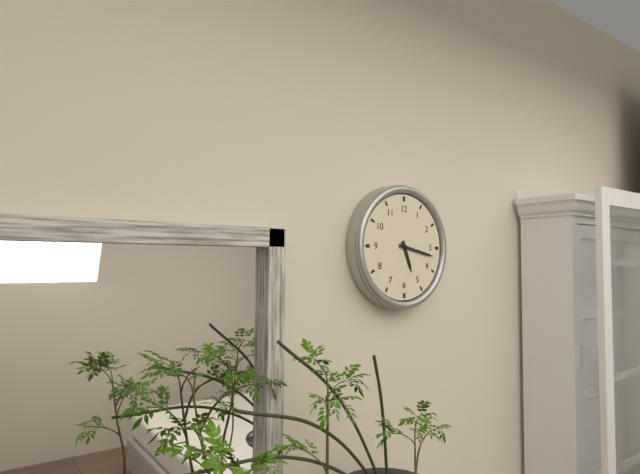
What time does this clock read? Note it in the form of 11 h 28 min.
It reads 5 h 17 min
